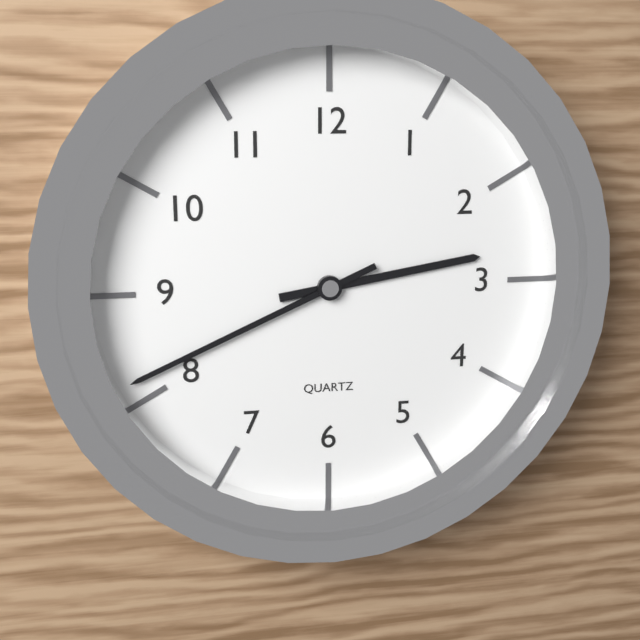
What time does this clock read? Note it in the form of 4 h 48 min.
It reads 2 h 41 min
